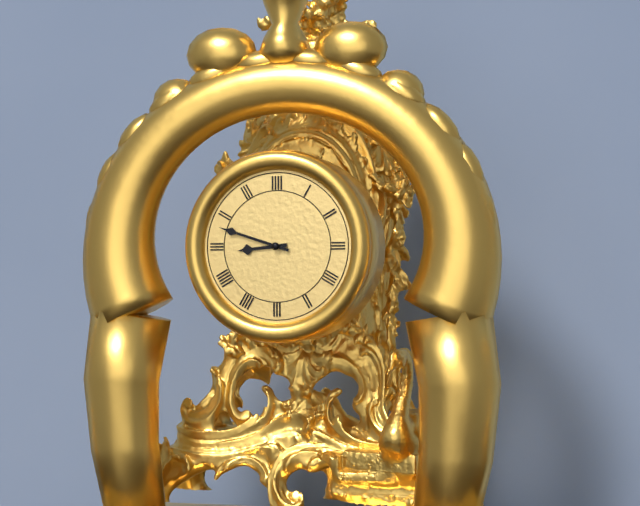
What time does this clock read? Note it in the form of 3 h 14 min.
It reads 8 h 48 min
